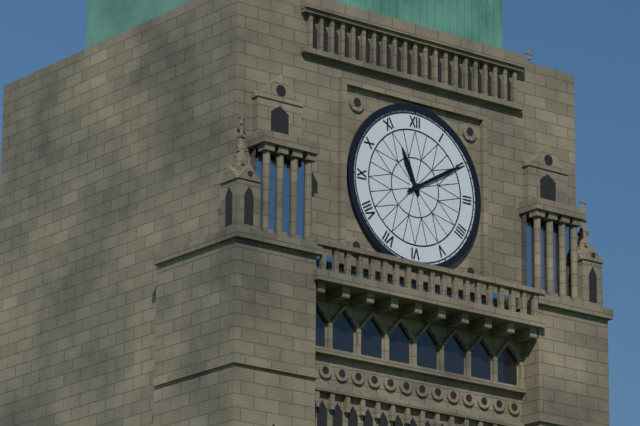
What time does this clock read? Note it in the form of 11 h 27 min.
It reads 11 h 10 min
